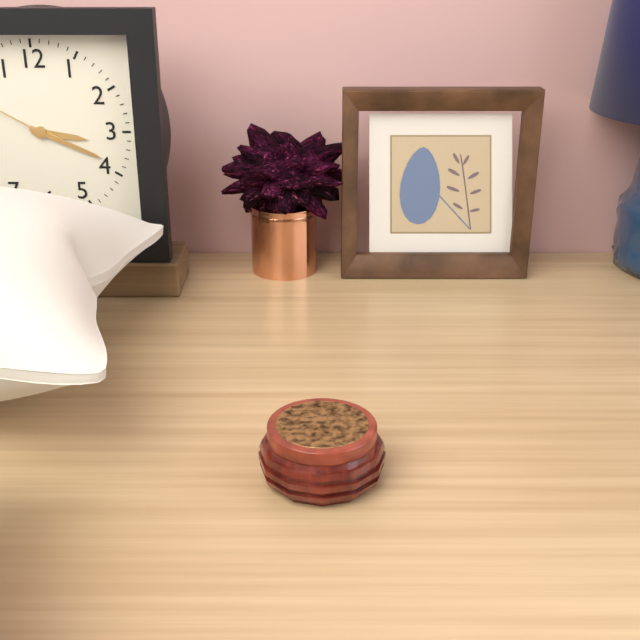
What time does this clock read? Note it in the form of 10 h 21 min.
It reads 3 h 19 min
